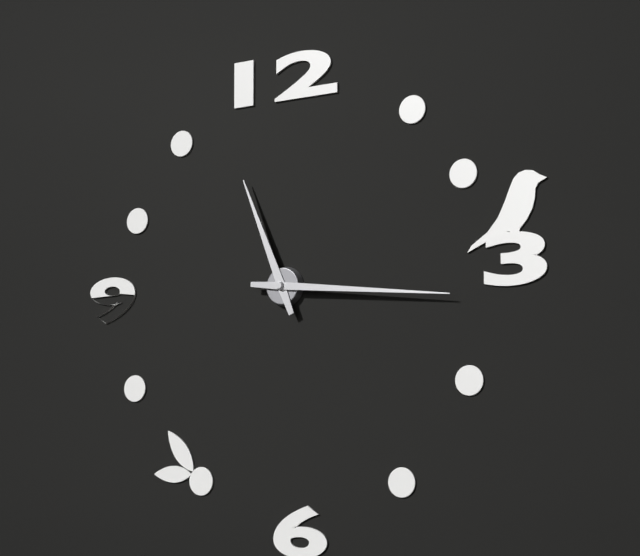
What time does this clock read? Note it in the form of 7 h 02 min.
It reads 11 h 16 min
